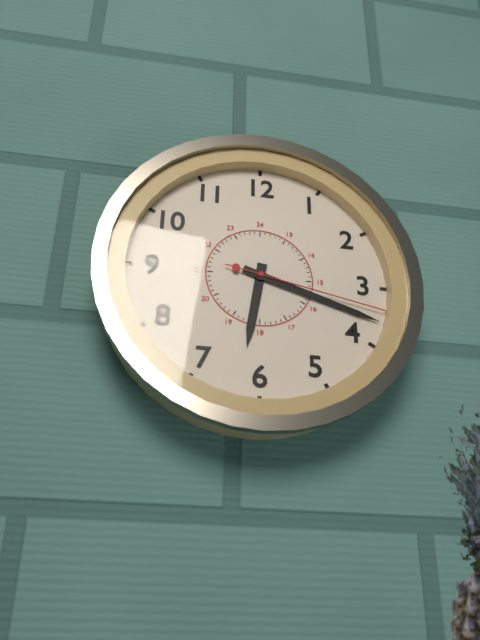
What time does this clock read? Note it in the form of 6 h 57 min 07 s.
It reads 6 h 18 min 17 s
